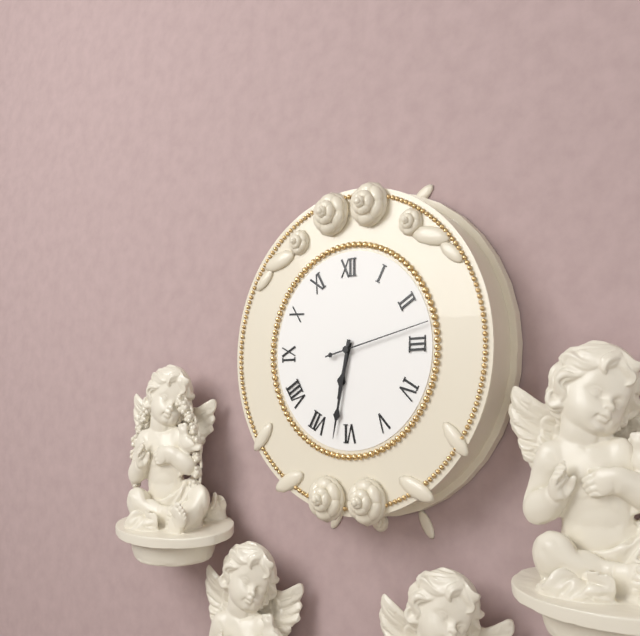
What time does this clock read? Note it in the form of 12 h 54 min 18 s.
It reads 6 h 32 min 13 s
